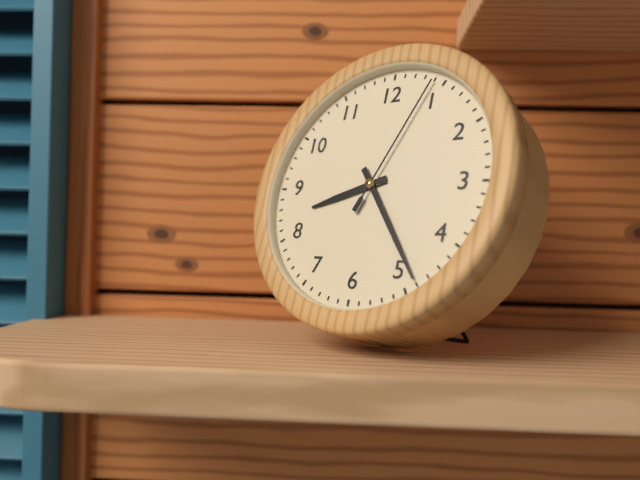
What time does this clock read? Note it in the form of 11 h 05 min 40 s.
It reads 8 h 24 min 04 s
